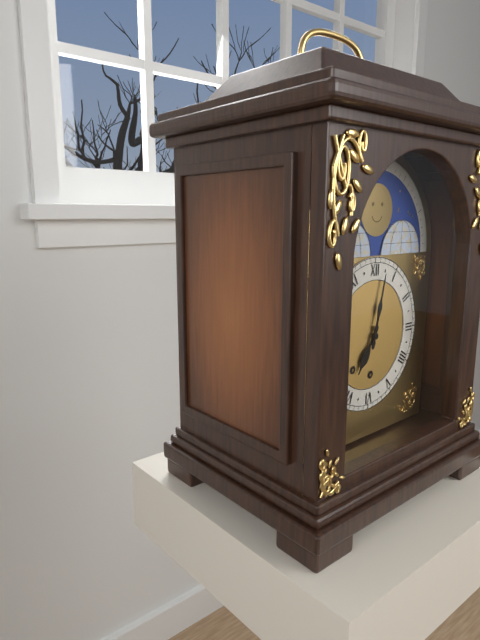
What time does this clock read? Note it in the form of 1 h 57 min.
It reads 7 h 02 min
